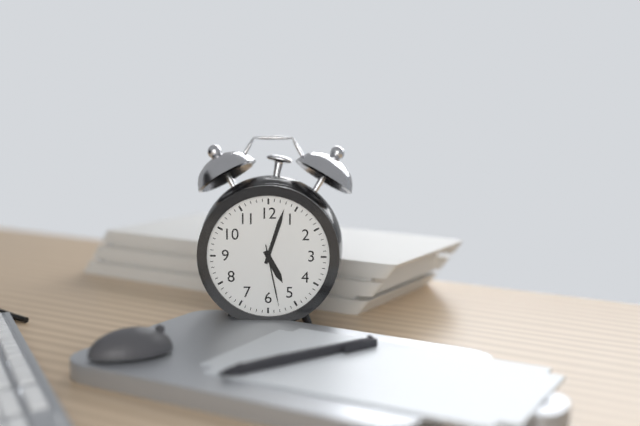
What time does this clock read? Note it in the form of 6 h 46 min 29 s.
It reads 5 h 03 min 28 s
